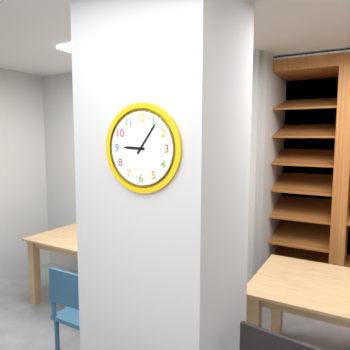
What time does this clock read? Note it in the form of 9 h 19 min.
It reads 9 h 06 min
